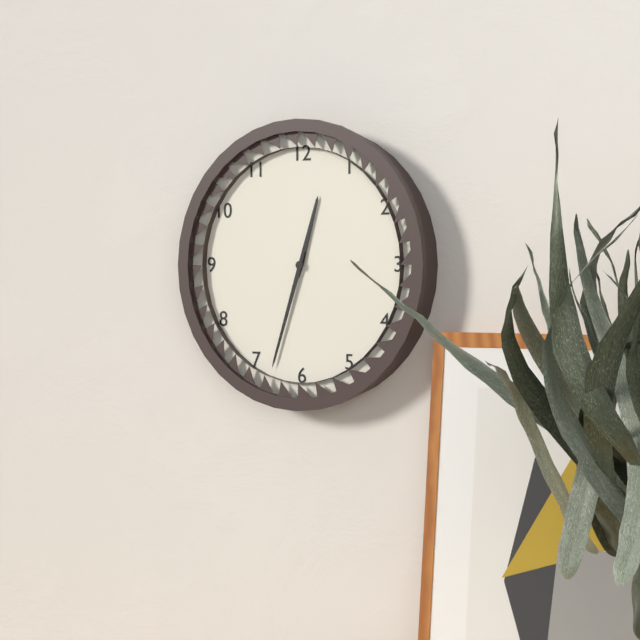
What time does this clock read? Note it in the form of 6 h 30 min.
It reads 12 h 33 min
